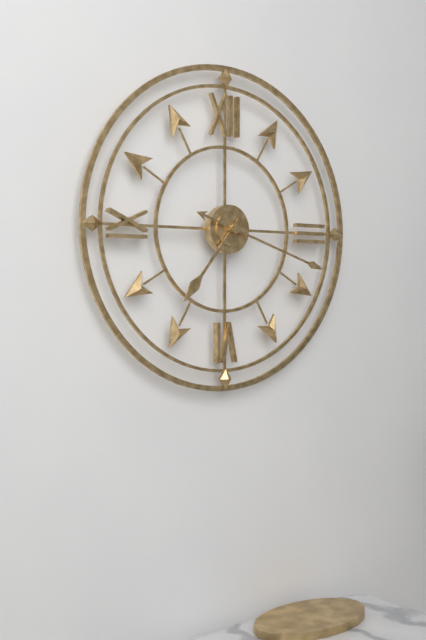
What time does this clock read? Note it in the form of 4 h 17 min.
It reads 7 h 18 min
